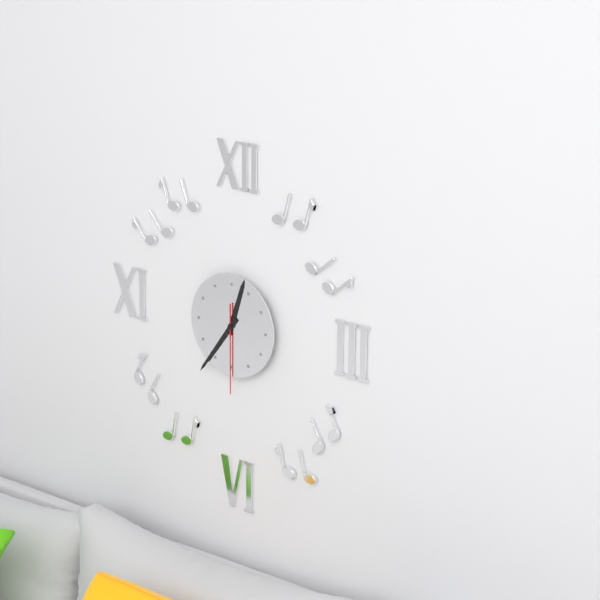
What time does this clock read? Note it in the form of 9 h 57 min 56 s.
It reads 12 h 36 min 30 s
